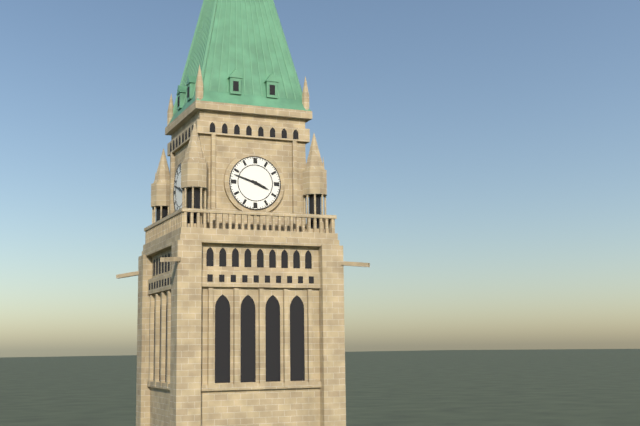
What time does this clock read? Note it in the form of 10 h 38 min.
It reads 3 h 48 min
